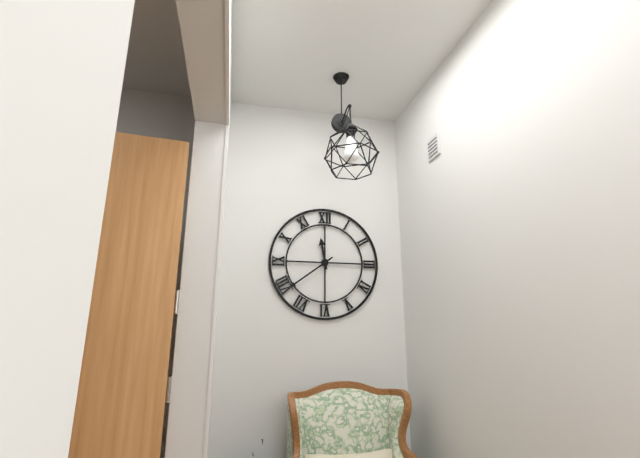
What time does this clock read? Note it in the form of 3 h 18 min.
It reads 11 h 39 min
